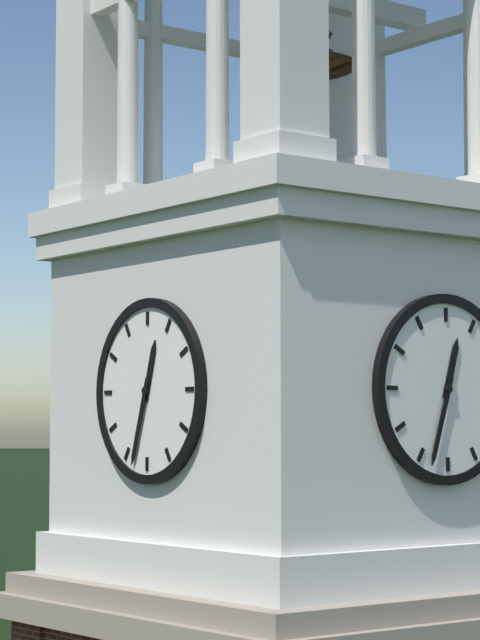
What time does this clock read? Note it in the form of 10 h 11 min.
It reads 12 h 33 min
